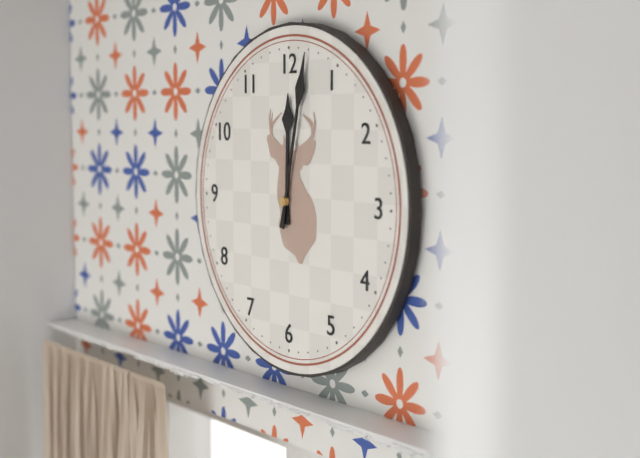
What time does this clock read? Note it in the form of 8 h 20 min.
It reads 12 h 02 min
